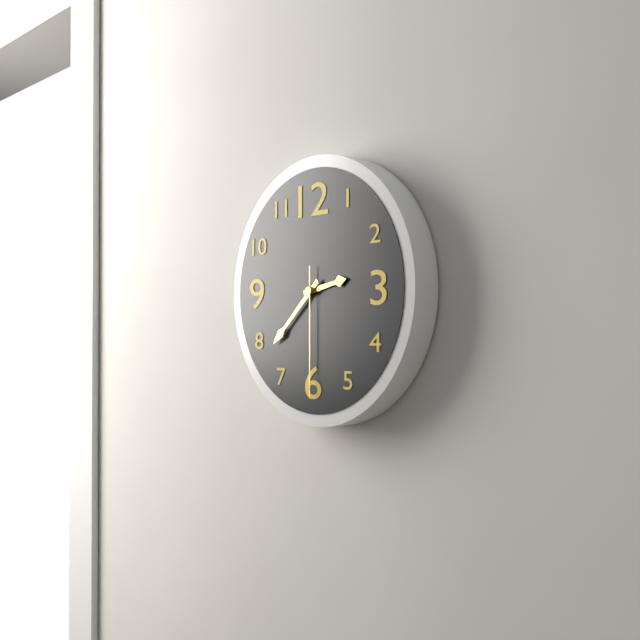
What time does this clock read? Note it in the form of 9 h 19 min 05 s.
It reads 2 h 38 min 30 s
